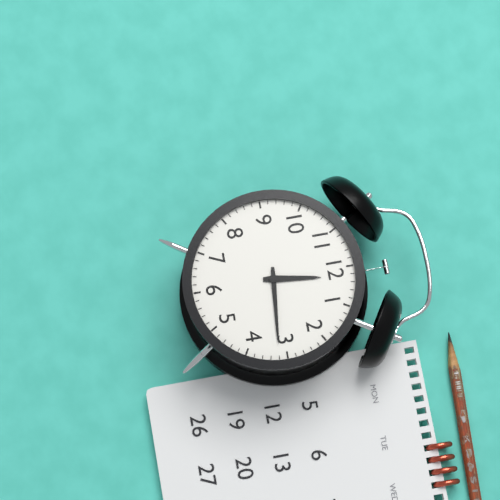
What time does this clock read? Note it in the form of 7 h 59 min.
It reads 12 h 16 min
